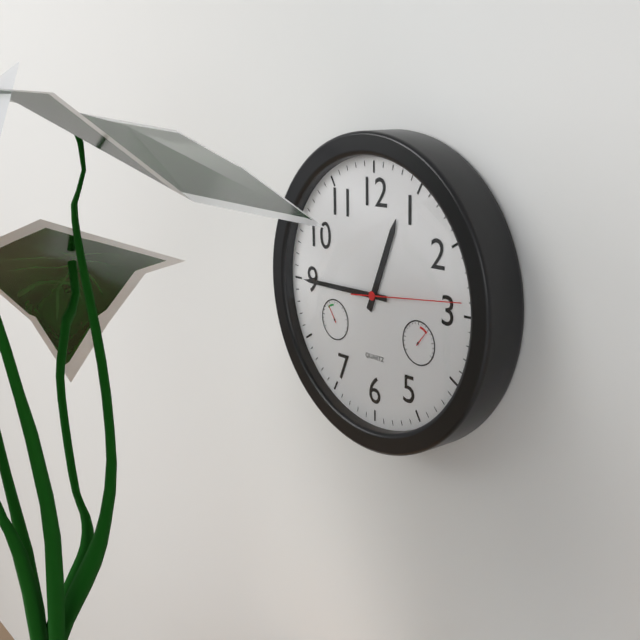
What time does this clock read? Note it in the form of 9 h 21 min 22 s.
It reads 12 h 45 min 14 s
